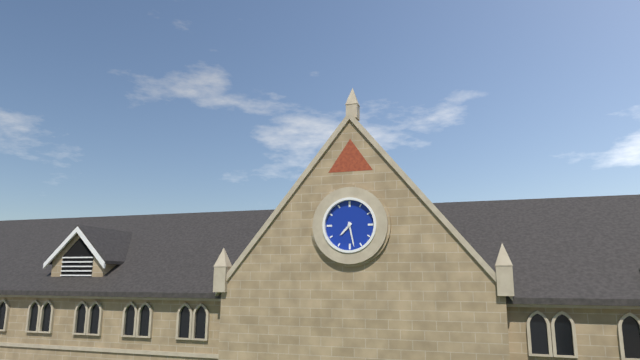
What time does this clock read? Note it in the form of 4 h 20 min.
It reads 7 h 28 min
